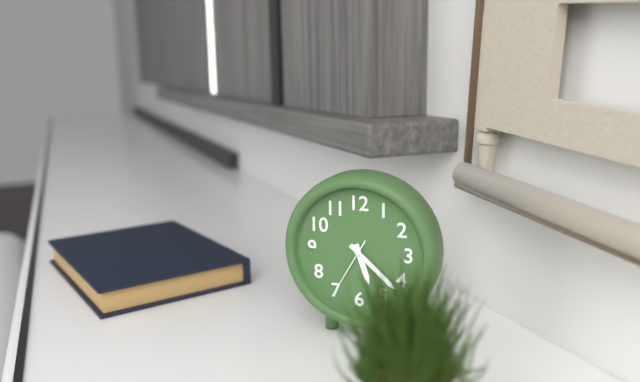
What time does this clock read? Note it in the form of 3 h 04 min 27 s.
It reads 5 h 22 min 35 s
